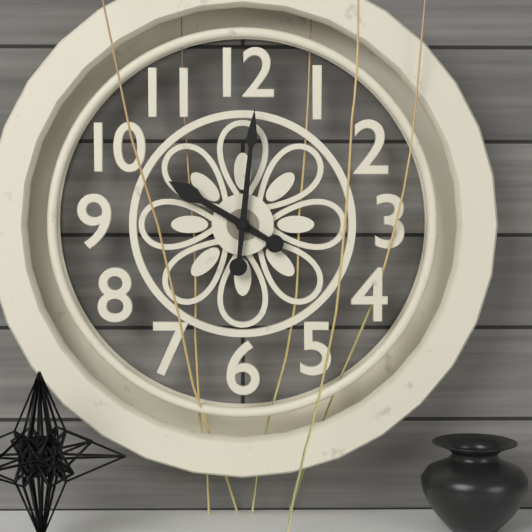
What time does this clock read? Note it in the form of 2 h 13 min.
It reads 10 h 01 min
